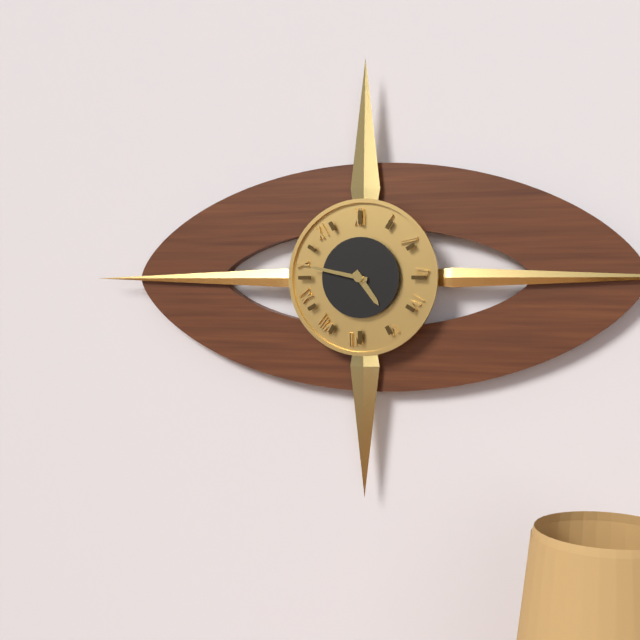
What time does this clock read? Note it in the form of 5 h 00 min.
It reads 4 h 47 min
